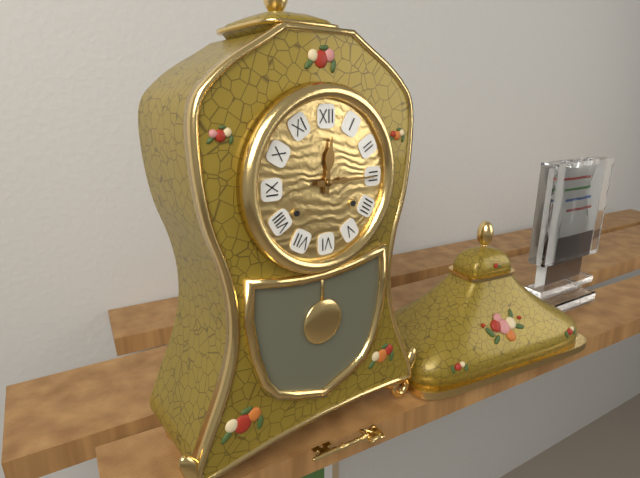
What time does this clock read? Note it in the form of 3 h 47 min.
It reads 12 h 15 min
